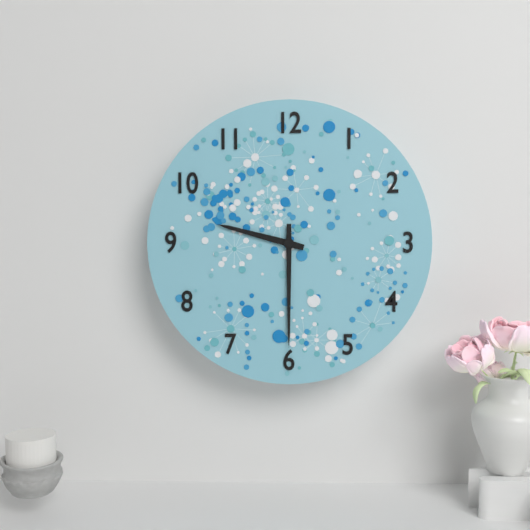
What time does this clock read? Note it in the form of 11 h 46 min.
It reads 9 h 30 min
